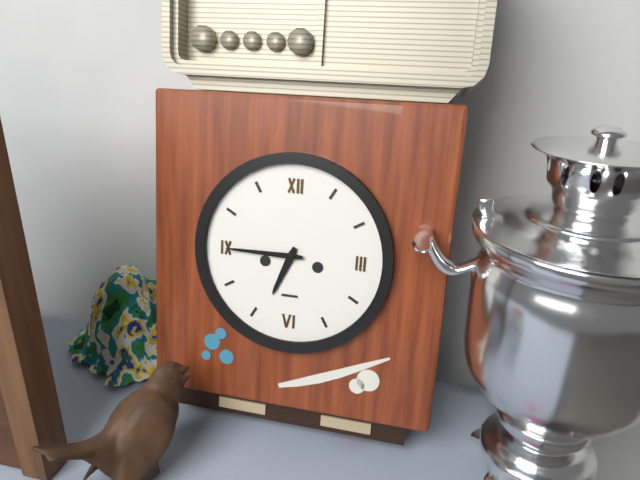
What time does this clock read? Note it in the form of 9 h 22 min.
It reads 6 h 45 min
